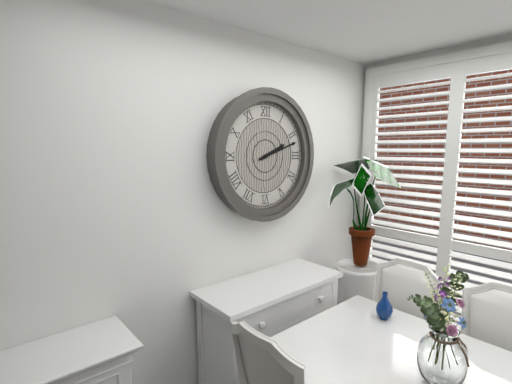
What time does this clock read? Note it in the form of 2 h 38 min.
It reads 2 h 12 min
